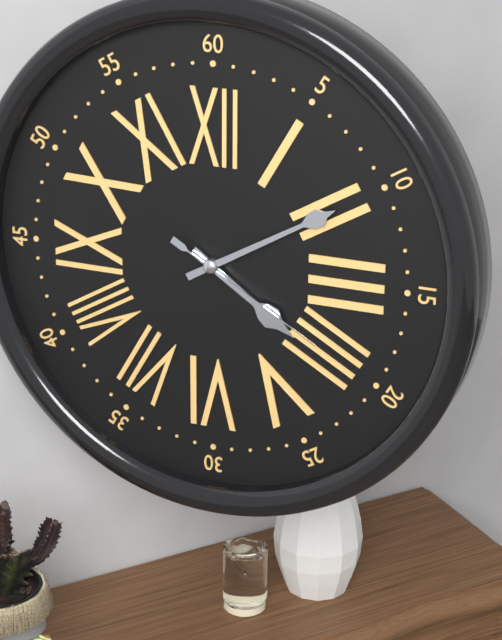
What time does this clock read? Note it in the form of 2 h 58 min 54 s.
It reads 4 h 10 min 20 s
